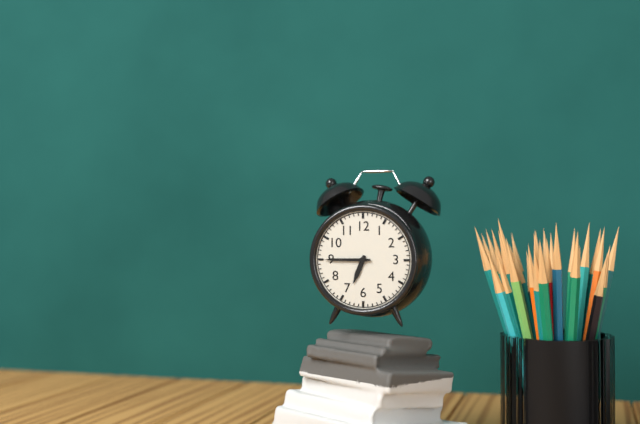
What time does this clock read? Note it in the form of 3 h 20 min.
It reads 6 h 45 min
